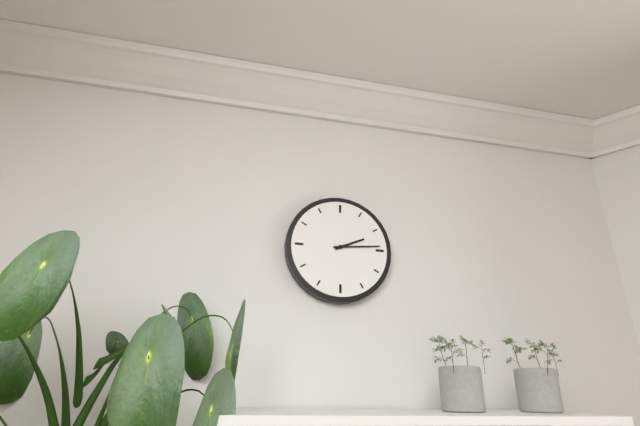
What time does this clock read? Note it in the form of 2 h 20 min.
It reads 2 h 14 min
